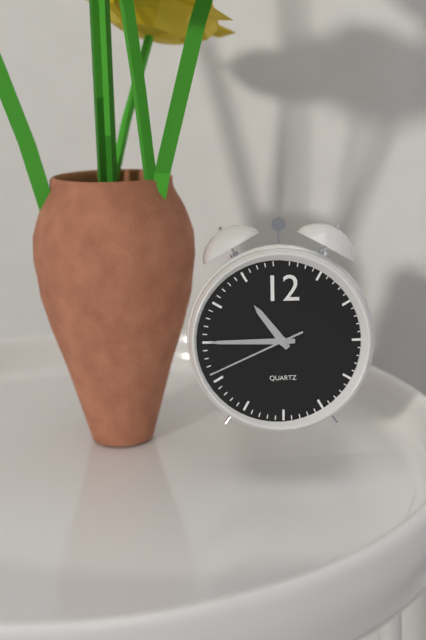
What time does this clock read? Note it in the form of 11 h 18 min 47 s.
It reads 10 h 45 min 41 s
